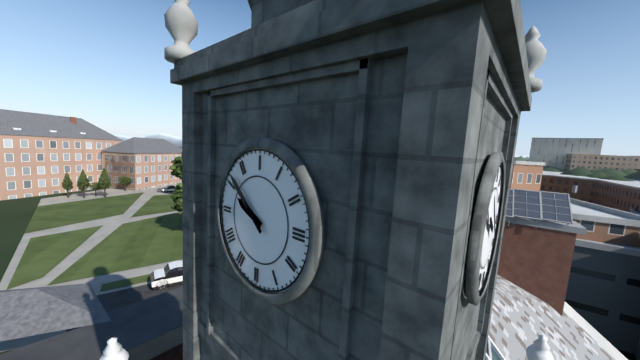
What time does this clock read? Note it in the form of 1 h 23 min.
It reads 9 h 52 min
